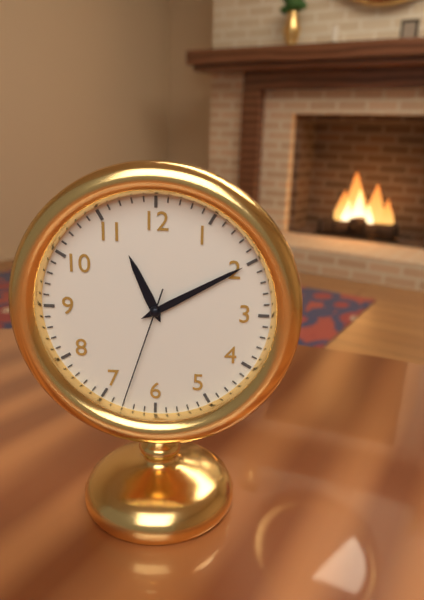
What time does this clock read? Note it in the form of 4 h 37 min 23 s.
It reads 11 h 10 min 33 s
